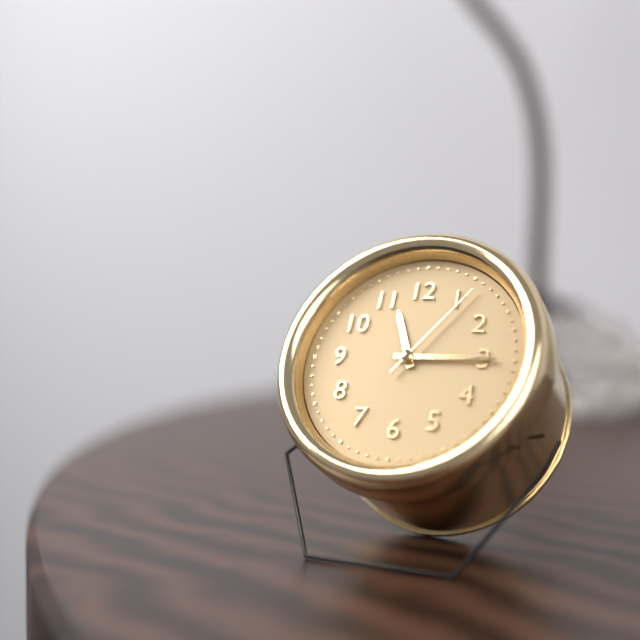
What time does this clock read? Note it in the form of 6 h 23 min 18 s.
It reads 11 h 15 min 06 s
